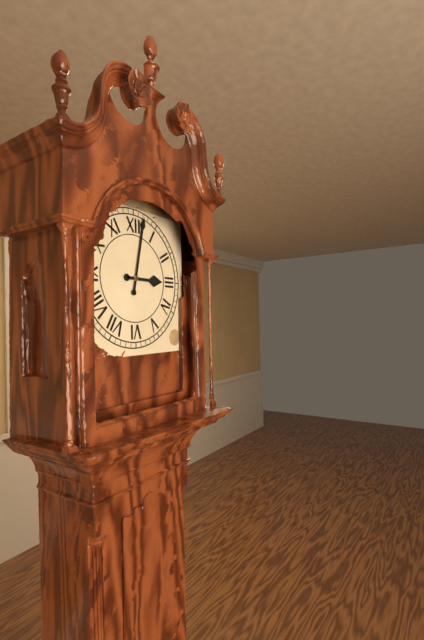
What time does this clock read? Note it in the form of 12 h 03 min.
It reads 3 h 02 min
